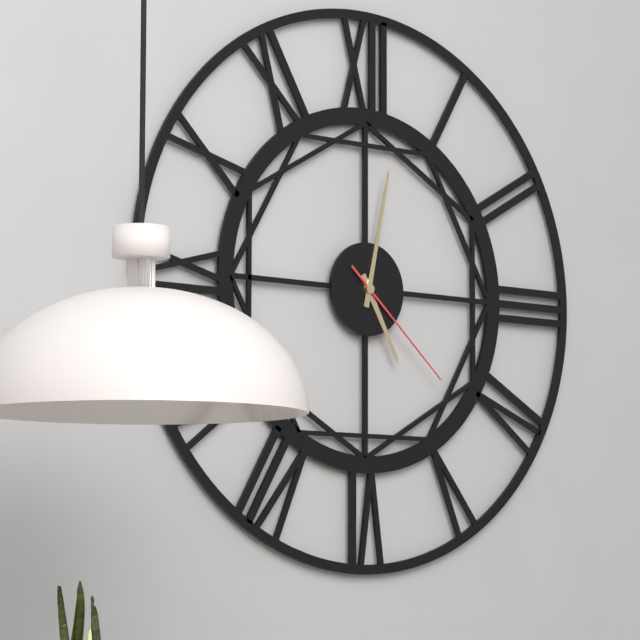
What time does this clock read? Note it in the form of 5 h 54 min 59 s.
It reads 5 h 02 min 22 s
